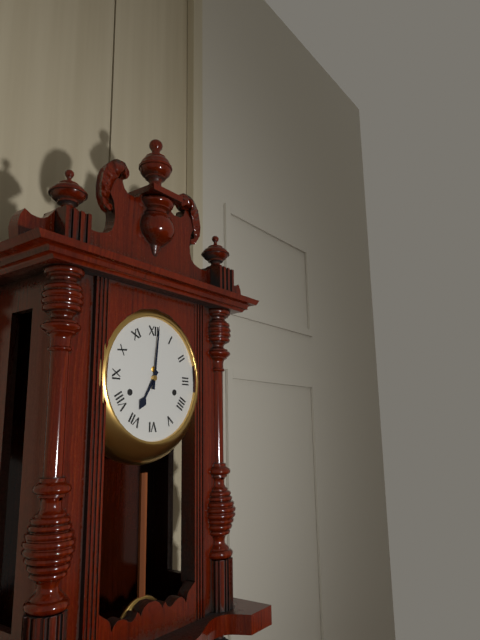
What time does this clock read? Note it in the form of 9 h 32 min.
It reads 7 h 01 min
